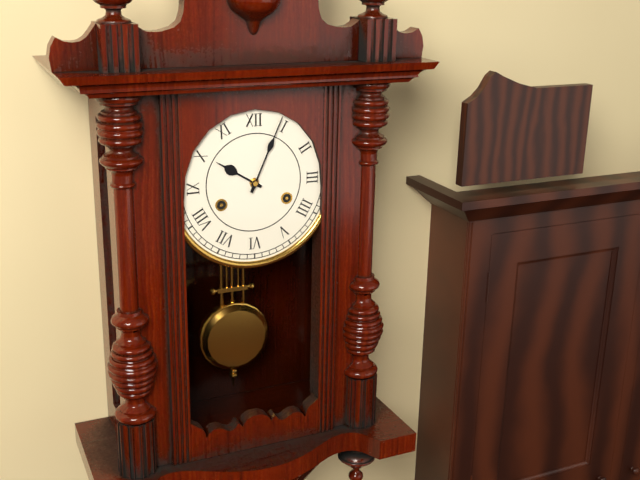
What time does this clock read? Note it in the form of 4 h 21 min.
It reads 10 h 04 min
